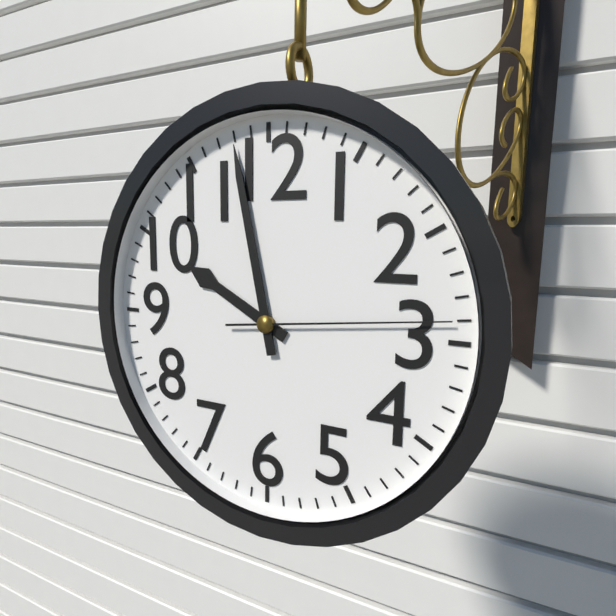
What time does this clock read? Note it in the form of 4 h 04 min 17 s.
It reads 9 h 58 min 14 s
